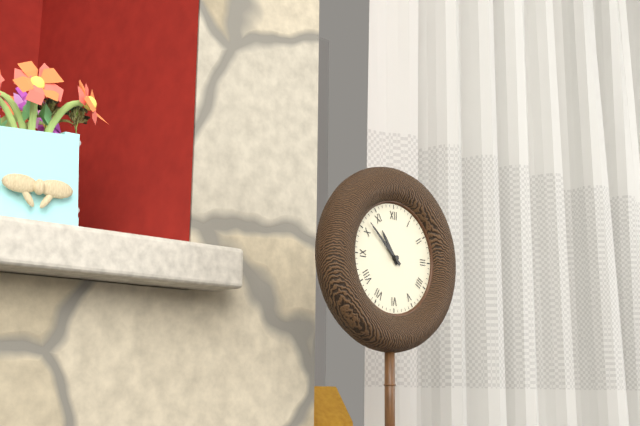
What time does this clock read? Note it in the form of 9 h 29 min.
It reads 10 h 52 min
